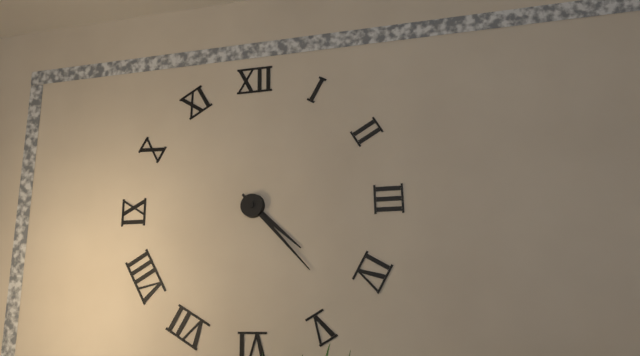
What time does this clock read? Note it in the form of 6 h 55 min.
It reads 4 h 23 min
